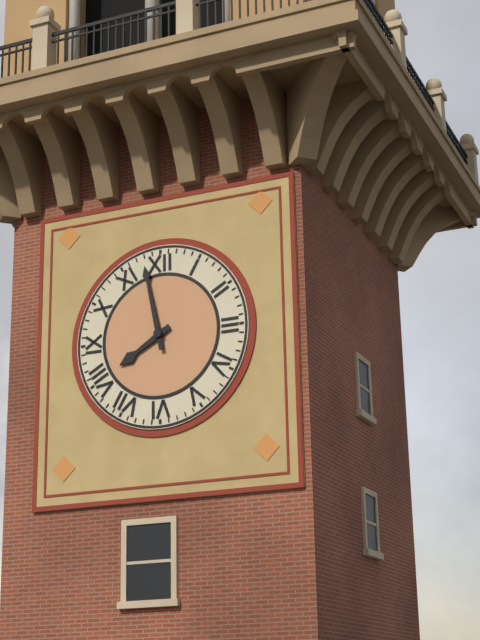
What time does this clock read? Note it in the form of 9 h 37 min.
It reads 7 h 58 min
